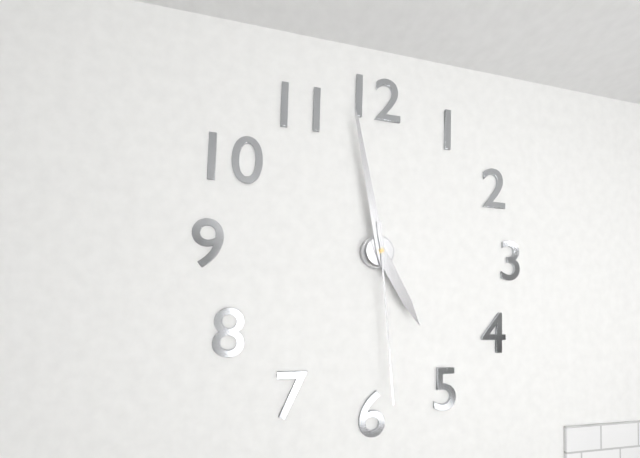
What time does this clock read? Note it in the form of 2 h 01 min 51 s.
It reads 4 h 58 min 29 s
